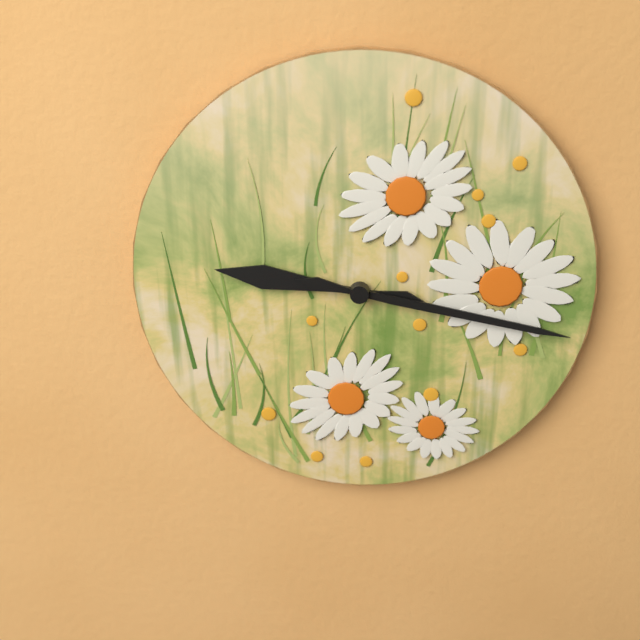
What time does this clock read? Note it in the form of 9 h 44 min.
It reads 9 h 17 min
